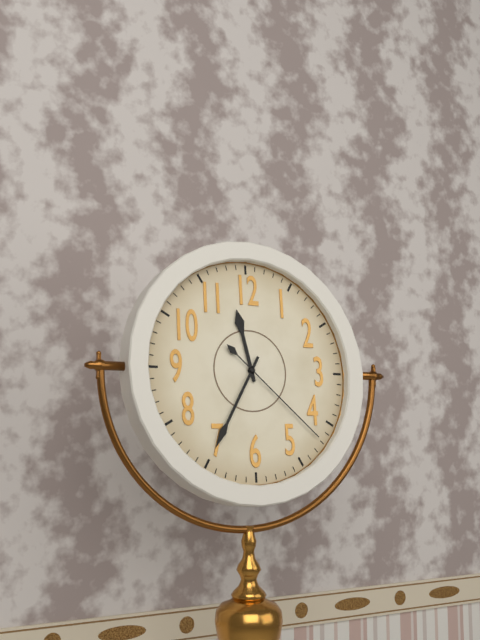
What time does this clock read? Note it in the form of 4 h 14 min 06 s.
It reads 11 h 35 min 22 s
